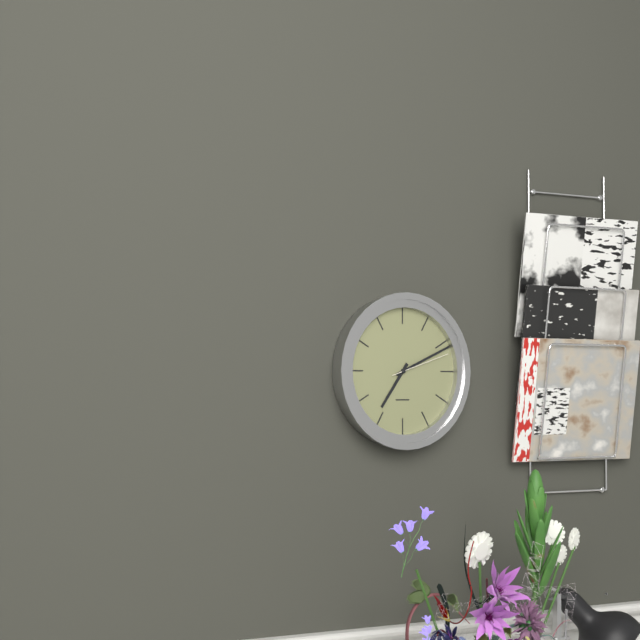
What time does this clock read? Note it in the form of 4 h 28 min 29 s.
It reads 7 h 11 min 12 s
